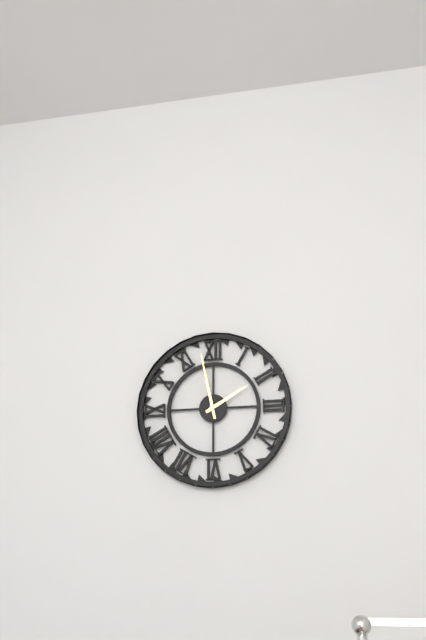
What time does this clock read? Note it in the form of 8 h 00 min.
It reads 1 h 58 min
